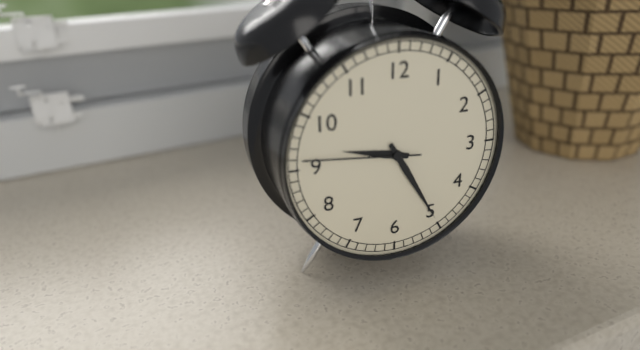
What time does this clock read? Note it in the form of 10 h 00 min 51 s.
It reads 9 h 25 min 46 s
